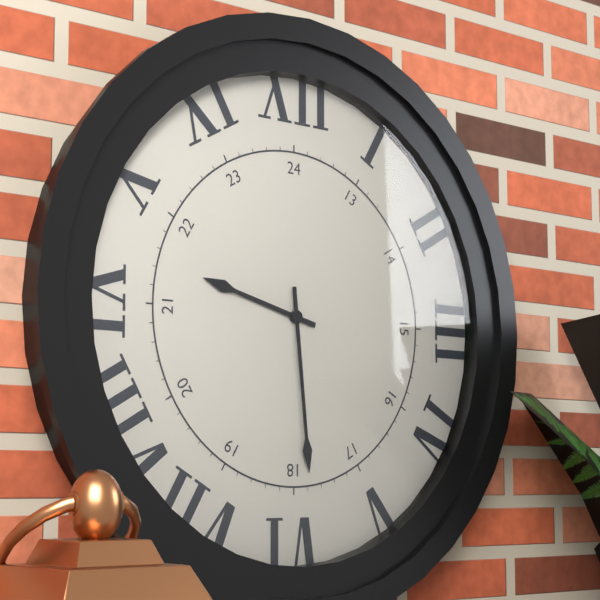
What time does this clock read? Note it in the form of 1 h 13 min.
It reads 9 h 29 min
